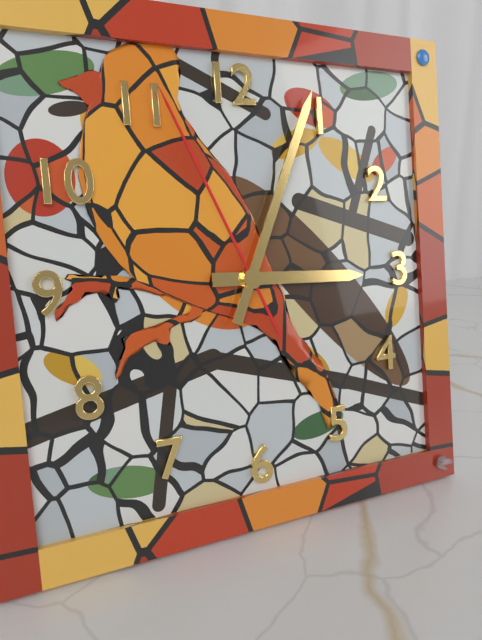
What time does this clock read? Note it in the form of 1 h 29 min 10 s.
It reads 3 h 04 min 56 s
